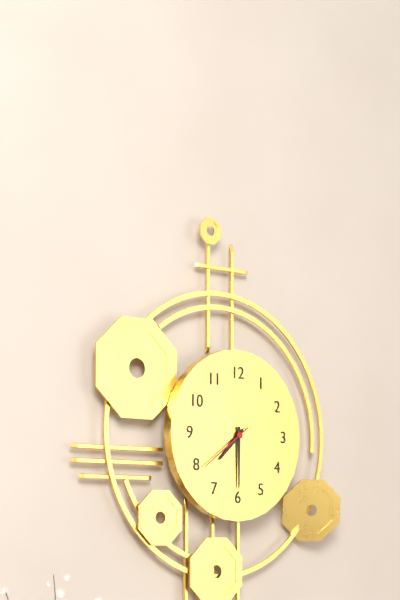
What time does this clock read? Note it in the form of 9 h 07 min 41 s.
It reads 7 h 30 min 39 s
